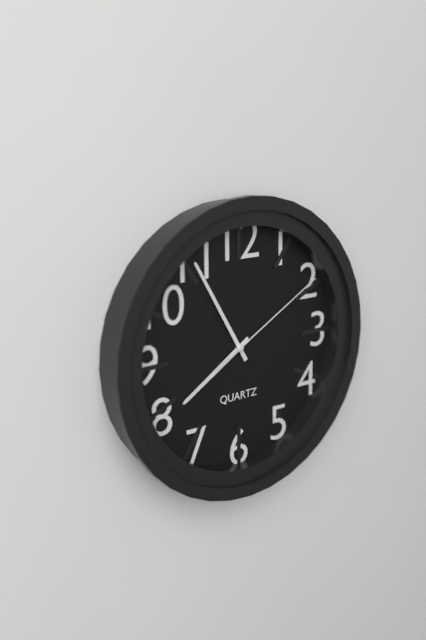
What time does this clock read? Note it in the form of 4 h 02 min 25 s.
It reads 7 h 55 min 10 s
